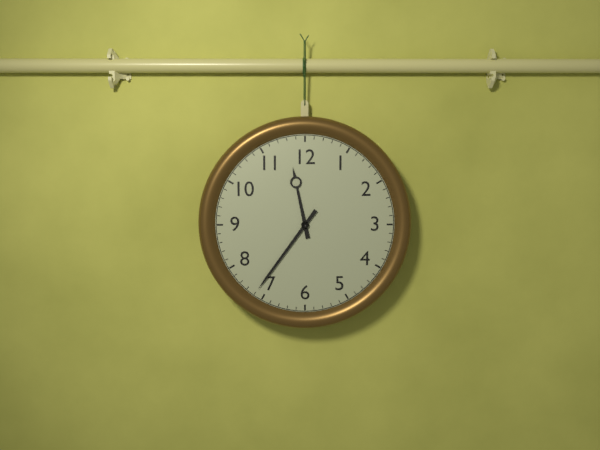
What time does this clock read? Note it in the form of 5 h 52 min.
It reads 11 h 36 min
